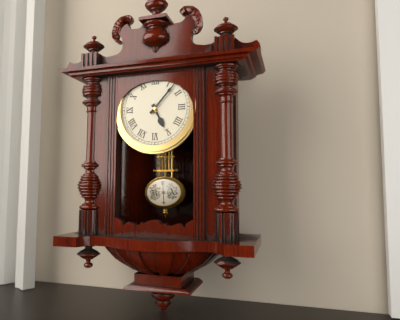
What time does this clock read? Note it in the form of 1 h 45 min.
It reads 5 h 07 min
